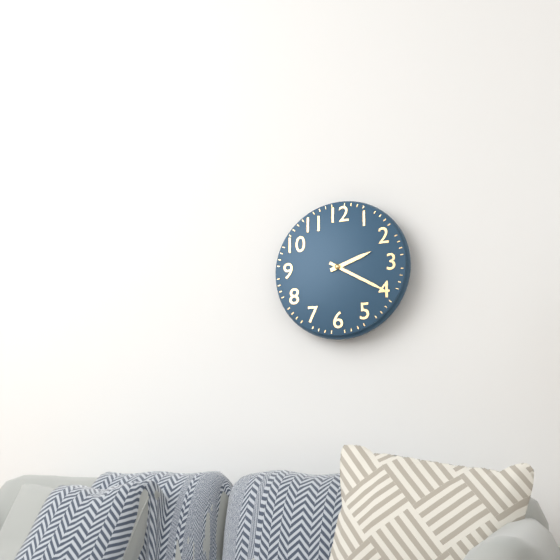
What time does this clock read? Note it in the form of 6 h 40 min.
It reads 2 h 20 min
